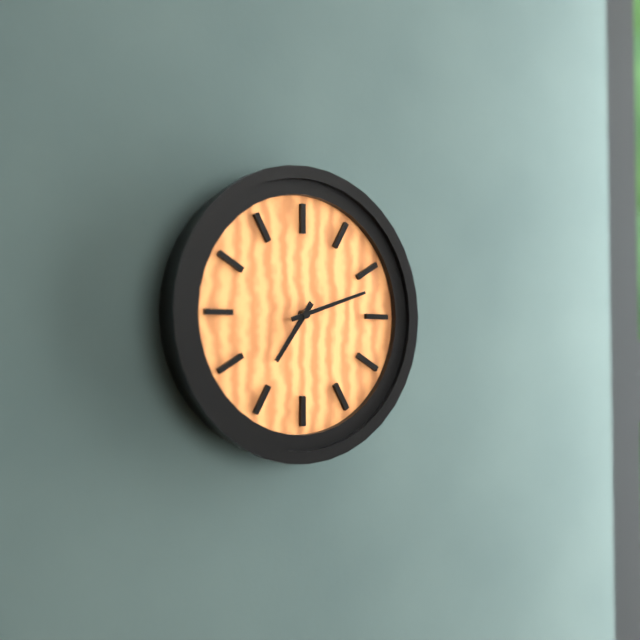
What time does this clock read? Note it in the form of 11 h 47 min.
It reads 7 h 12 min
